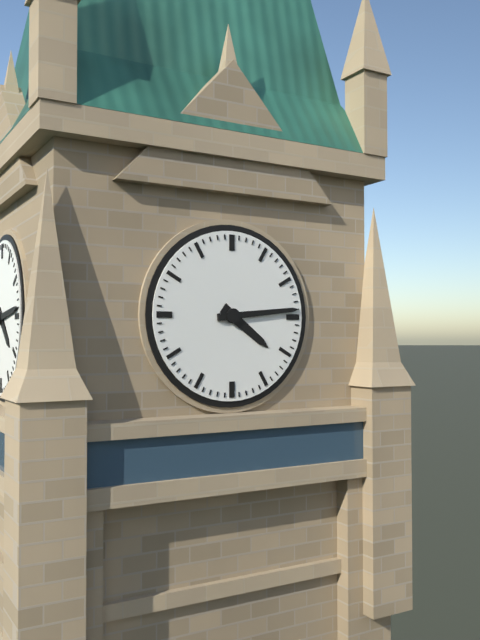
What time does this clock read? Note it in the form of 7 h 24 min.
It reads 4 h 14 min
